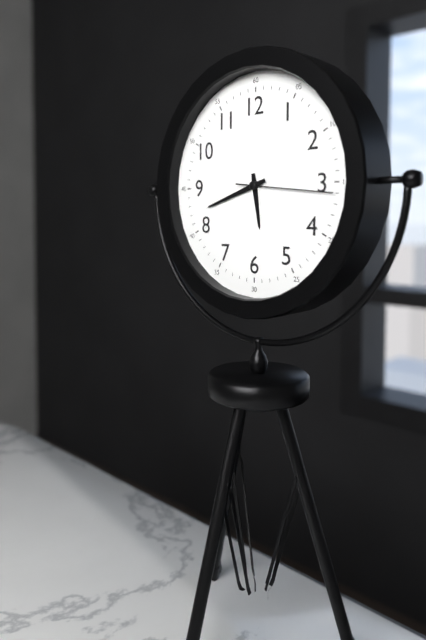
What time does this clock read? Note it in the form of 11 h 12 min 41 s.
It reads 5 h 42 min 16 s
